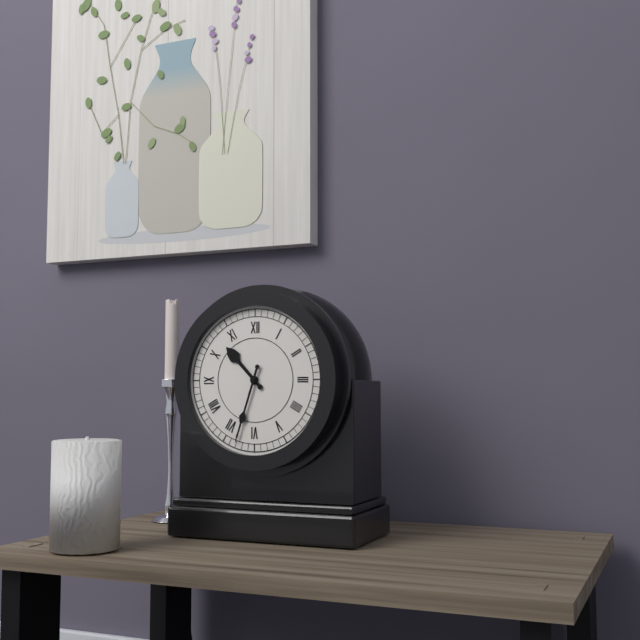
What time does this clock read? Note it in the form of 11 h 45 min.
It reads 10 h 33 min
